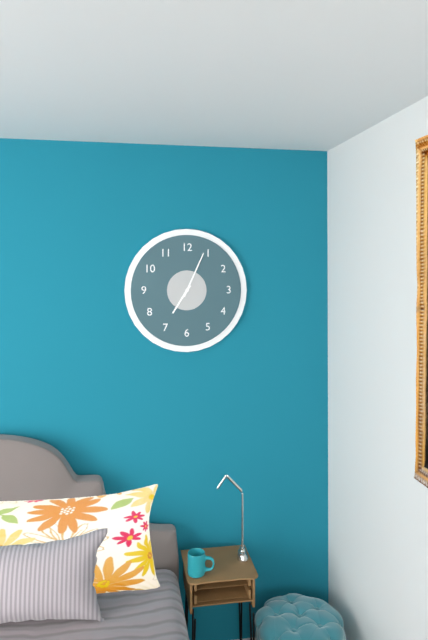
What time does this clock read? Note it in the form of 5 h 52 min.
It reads 7 h 04 min
